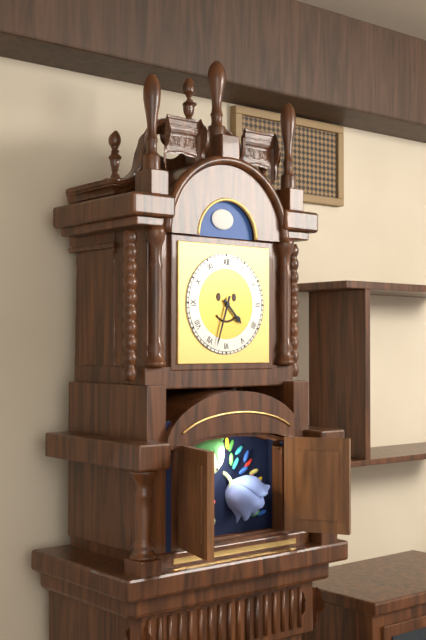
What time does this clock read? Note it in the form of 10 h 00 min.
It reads 4 h 33 min
